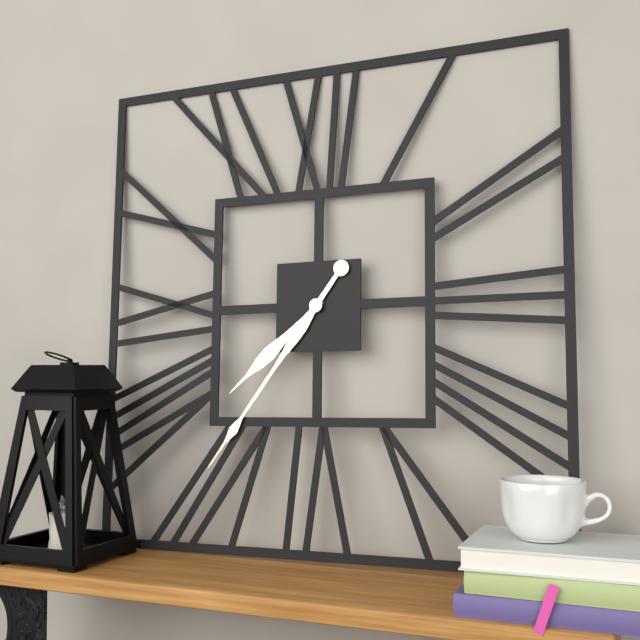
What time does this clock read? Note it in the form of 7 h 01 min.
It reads 7 h 36 min
